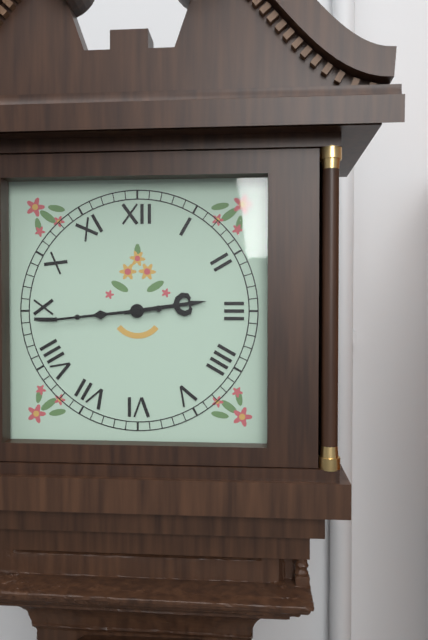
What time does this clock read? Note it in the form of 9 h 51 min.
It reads 2 h 44 min
